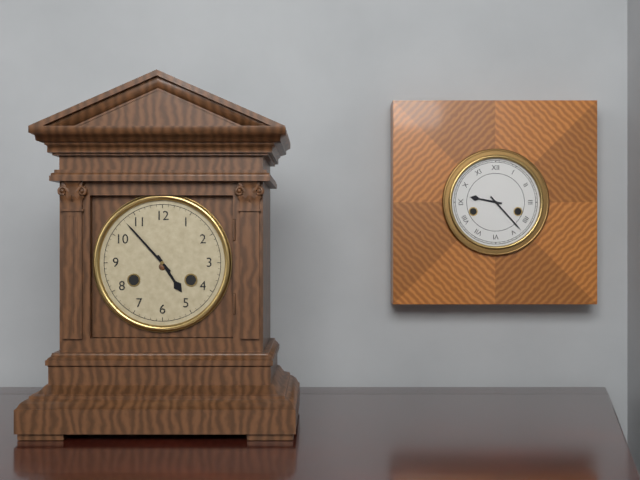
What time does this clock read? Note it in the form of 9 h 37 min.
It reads 4 h 53 min
